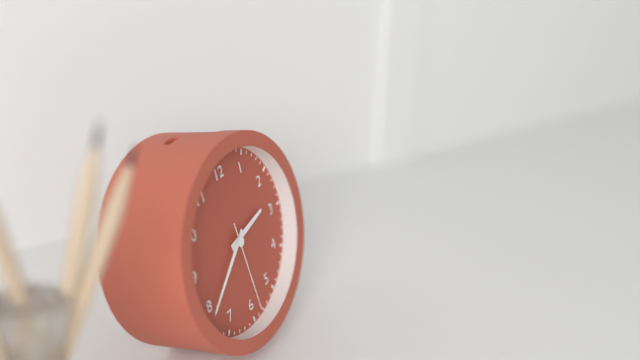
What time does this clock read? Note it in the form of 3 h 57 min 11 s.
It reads 2 h 39 min 29 s
